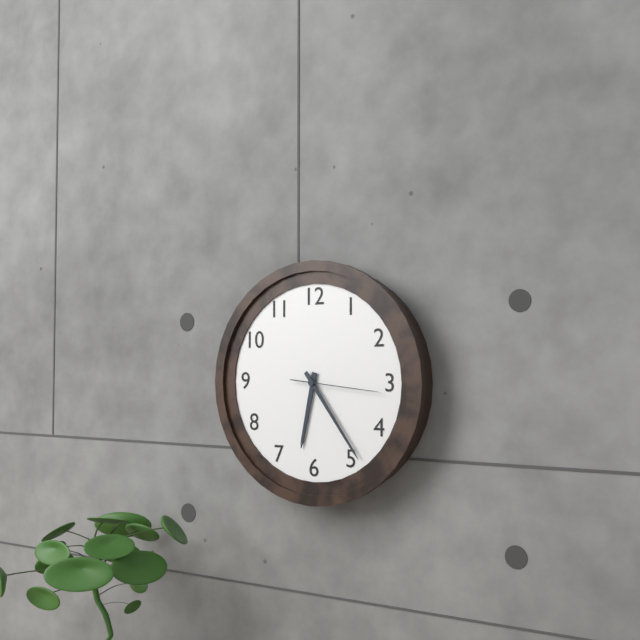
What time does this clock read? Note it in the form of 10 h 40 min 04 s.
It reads 6 h 24 min 16 s
